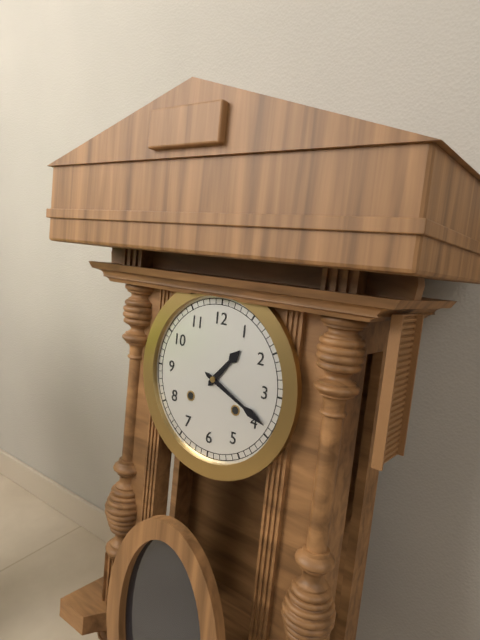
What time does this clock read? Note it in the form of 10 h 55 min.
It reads 1 h 19 min
